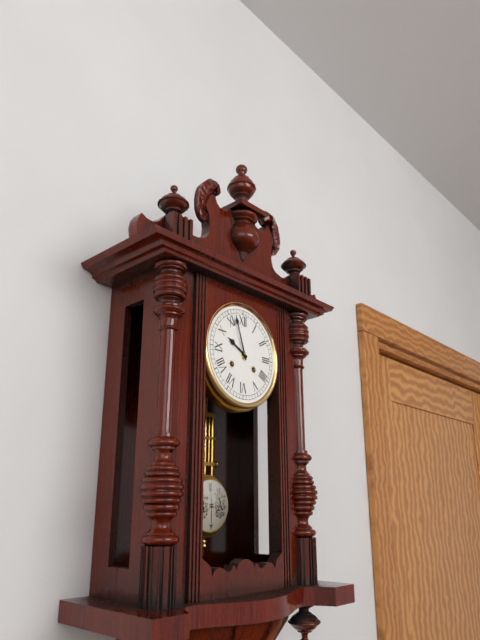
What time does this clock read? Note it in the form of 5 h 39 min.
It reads 9 h 57 min
